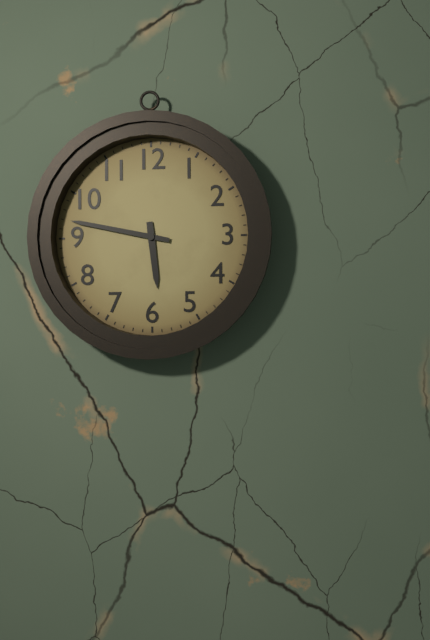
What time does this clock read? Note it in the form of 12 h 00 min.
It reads 5 h 47 min
